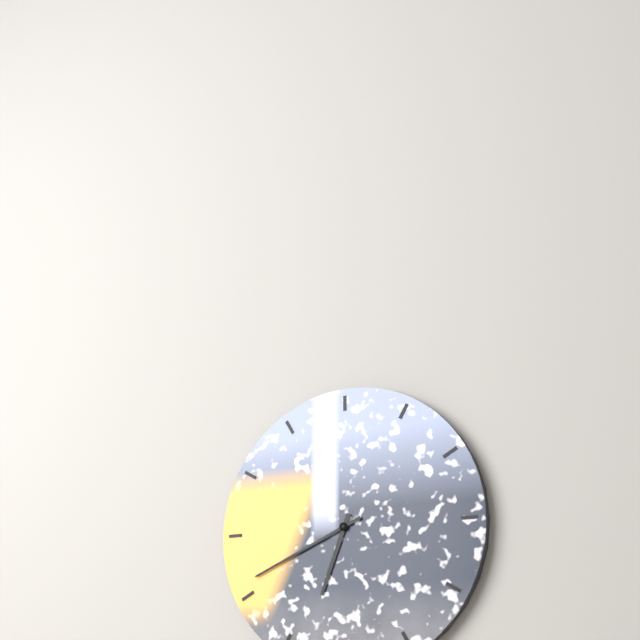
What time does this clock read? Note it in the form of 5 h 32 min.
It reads 6 h 41 min
